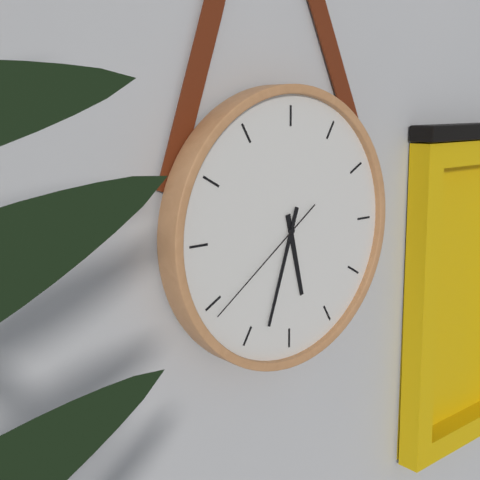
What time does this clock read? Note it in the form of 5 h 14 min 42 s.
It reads 5 h 33 min 39 s
